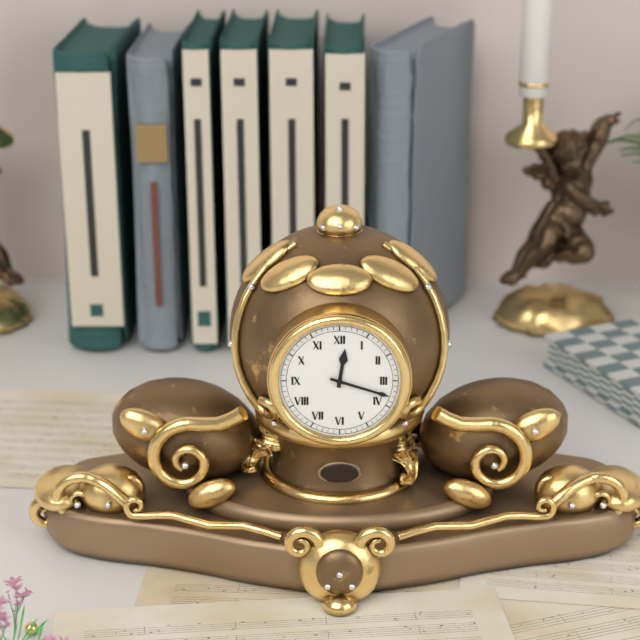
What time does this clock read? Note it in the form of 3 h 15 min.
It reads 12 h 18 min
